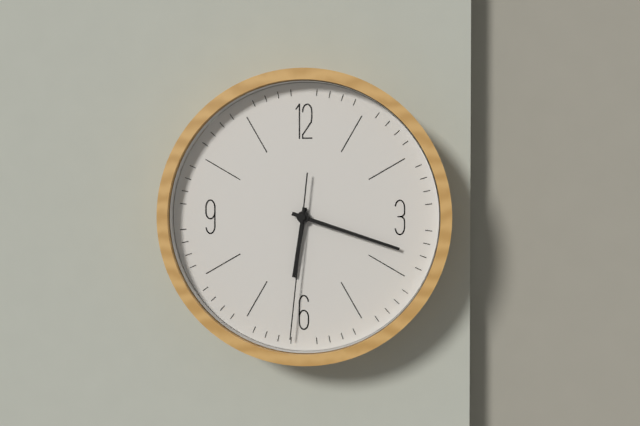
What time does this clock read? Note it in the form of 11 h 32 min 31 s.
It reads 6 h 18 min 31 s
